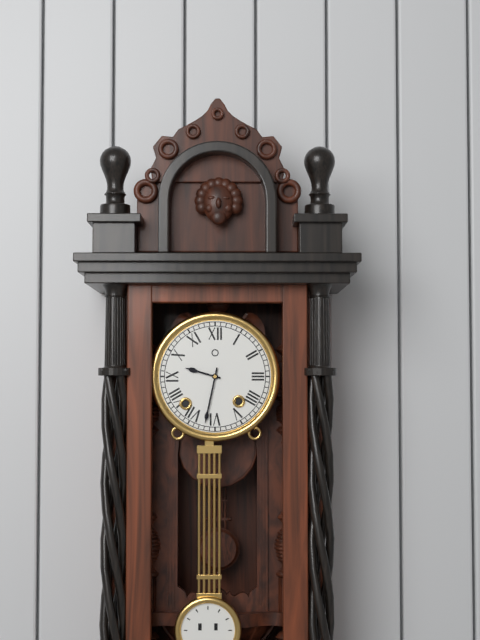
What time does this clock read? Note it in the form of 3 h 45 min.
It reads 9 h 32 min
